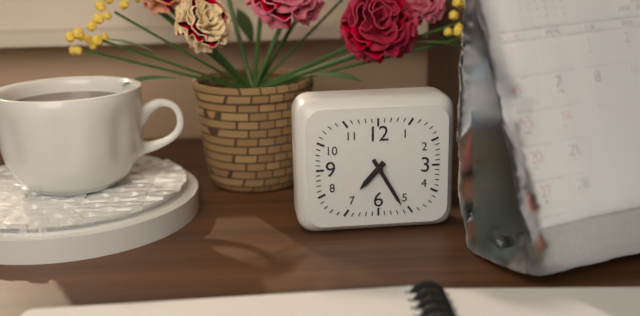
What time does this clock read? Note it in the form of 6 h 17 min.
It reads 7 h 25 min
